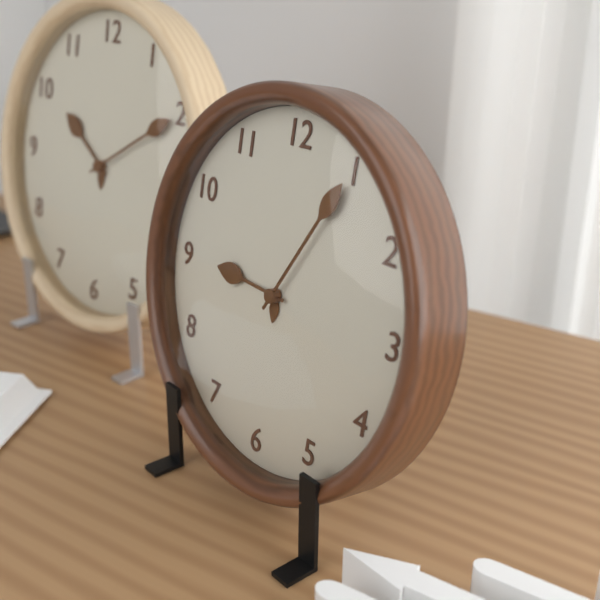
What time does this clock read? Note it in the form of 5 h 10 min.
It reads 9 h 05 min
